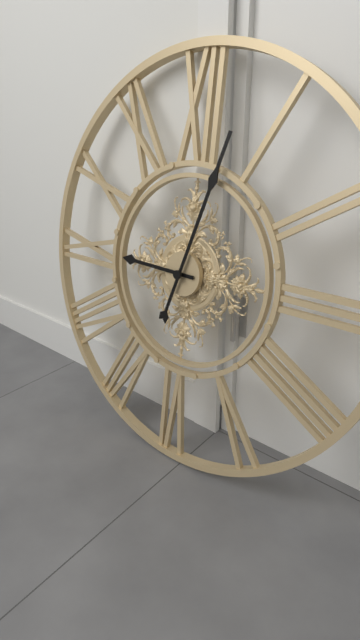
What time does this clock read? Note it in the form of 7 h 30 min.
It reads 9 h 03 min
